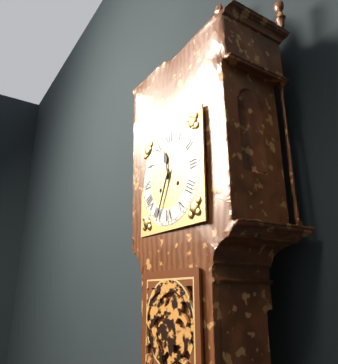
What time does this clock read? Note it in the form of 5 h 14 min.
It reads 11 h 34 min
